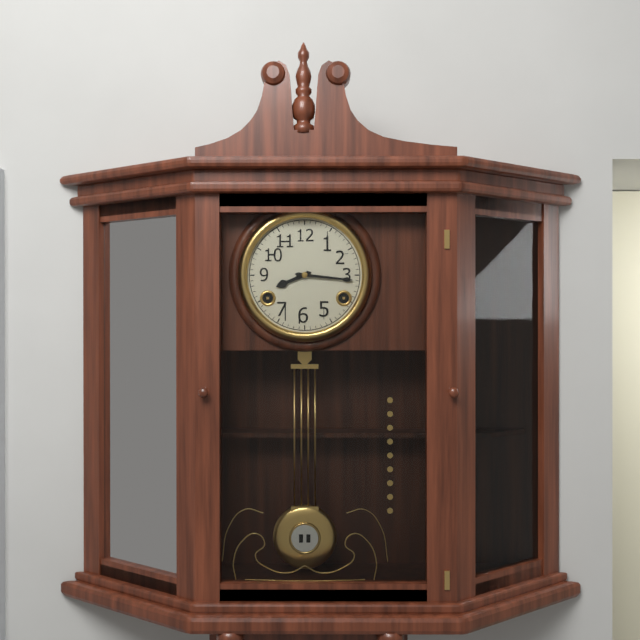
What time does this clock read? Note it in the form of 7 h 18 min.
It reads 8 h 16 min
